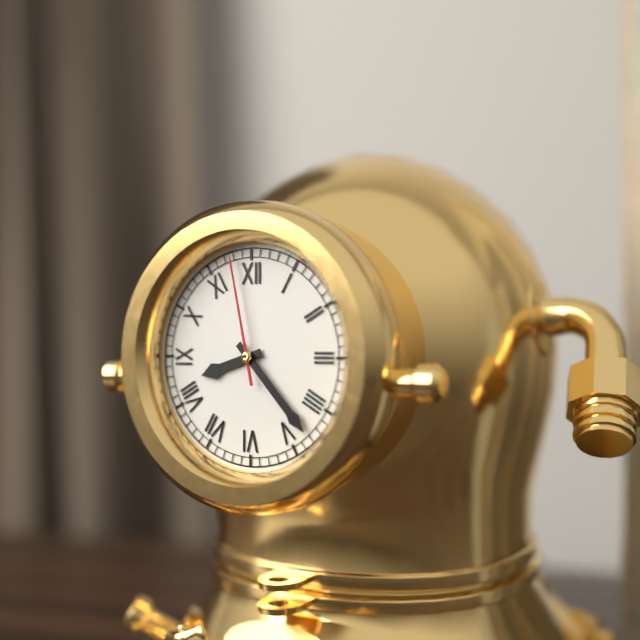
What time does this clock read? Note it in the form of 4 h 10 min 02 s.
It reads 8 h 23 min 58 s
